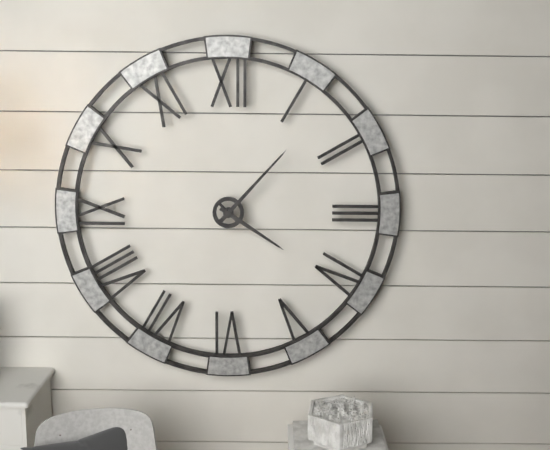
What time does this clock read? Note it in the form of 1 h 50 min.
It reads 4 h 07 min
